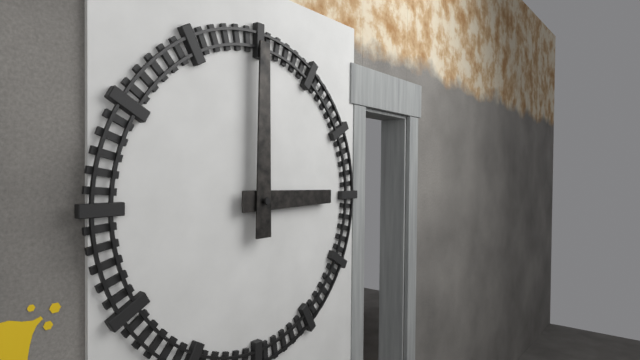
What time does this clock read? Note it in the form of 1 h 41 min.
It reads 3 h 00 min
